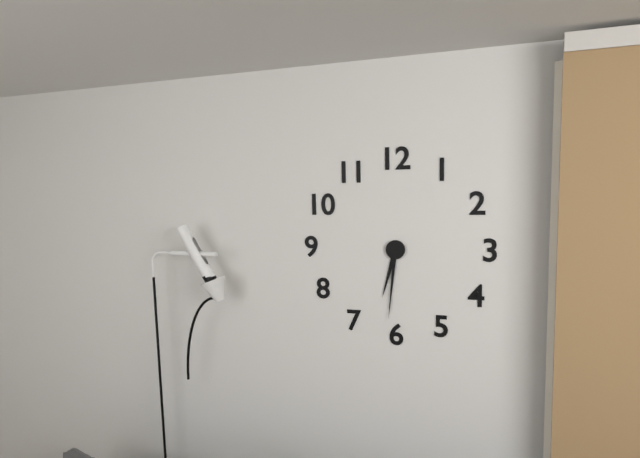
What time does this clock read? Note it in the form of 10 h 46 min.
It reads 6 h 31 min
